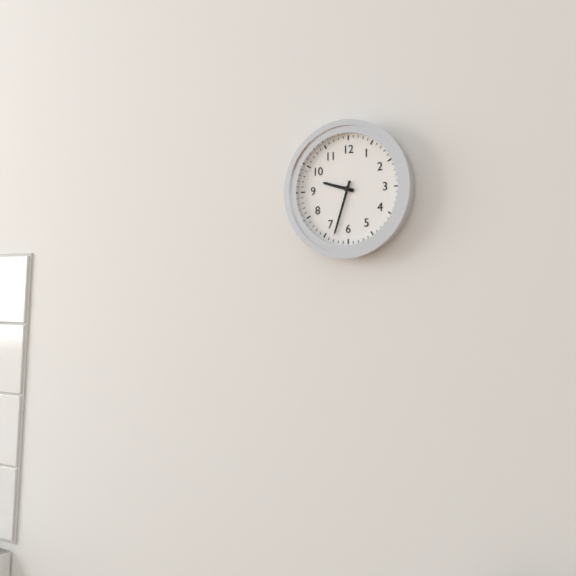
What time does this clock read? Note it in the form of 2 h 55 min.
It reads 9 h 33 min
